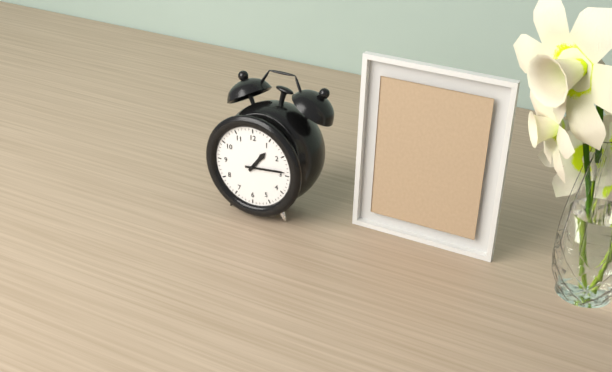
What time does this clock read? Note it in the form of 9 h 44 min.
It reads 1 h 14 min
